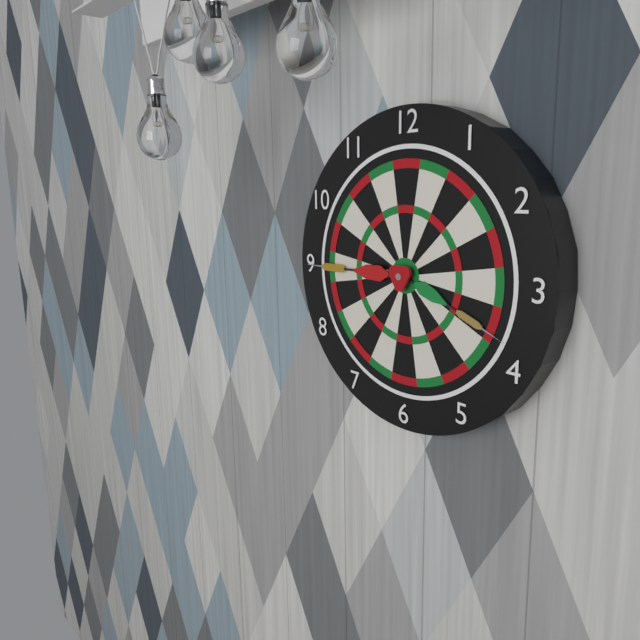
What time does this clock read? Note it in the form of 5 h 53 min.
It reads 3 h 45 min
